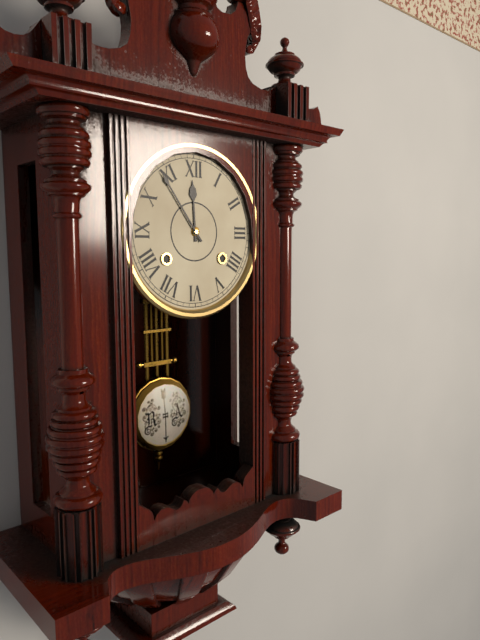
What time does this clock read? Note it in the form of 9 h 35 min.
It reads 11 h 54 min
